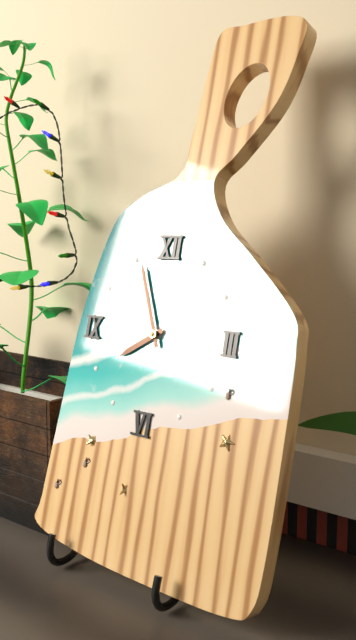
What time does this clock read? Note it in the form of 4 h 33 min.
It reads 7 h 56 min
